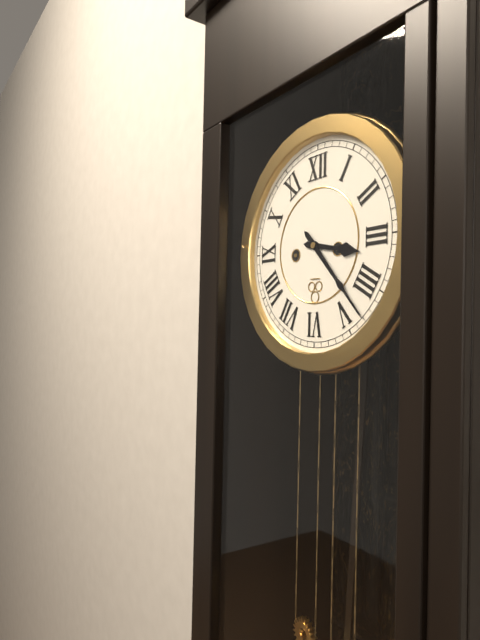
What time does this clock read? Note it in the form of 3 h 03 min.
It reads 3 h 23 min
